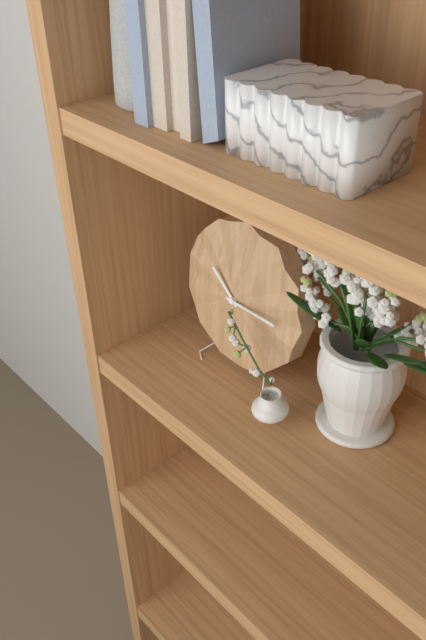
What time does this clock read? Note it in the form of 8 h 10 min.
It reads 10 h 15 min
